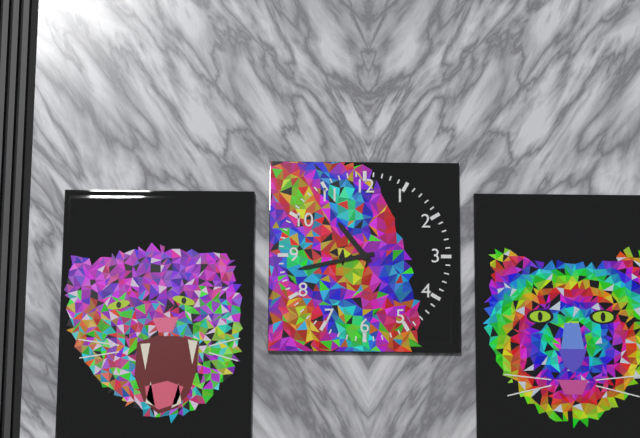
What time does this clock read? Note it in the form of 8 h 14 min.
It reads 10 h 43 min
